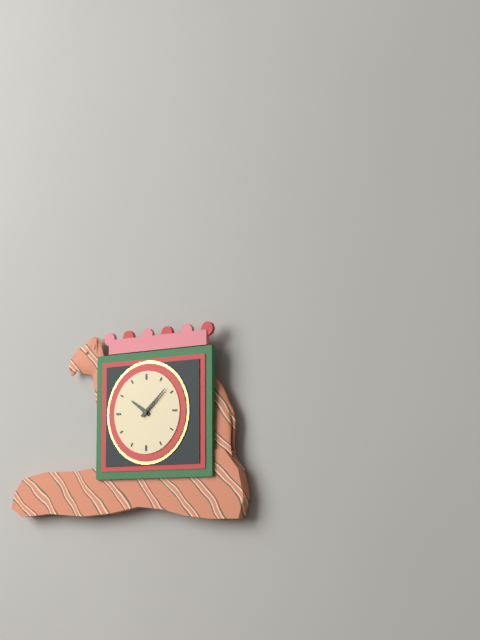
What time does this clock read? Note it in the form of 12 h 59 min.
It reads 10 h 08 min
